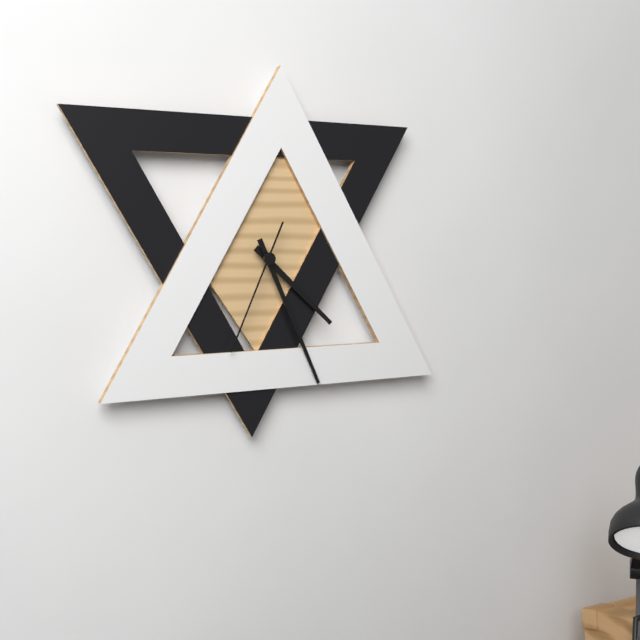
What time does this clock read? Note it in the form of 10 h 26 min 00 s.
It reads 4 h 26 min 34 s
